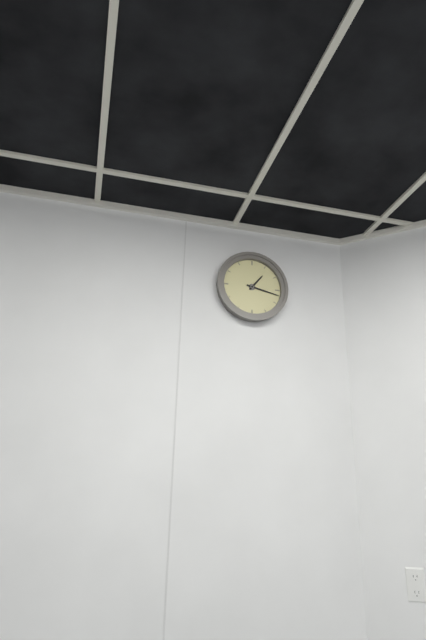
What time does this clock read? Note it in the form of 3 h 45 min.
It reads 1 h 17 min
